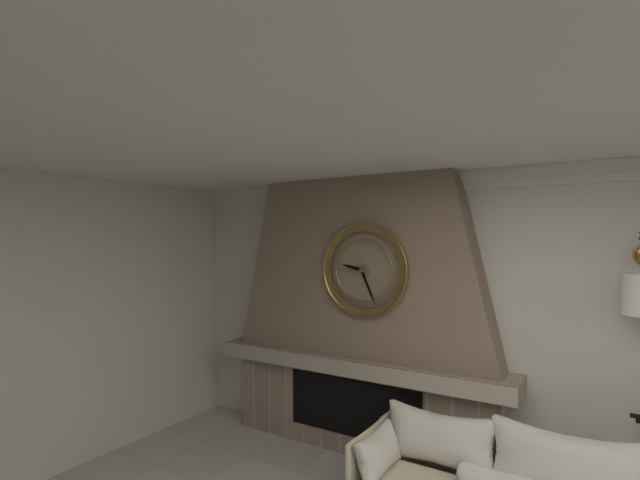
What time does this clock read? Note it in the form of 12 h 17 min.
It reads 9 h 26 min
